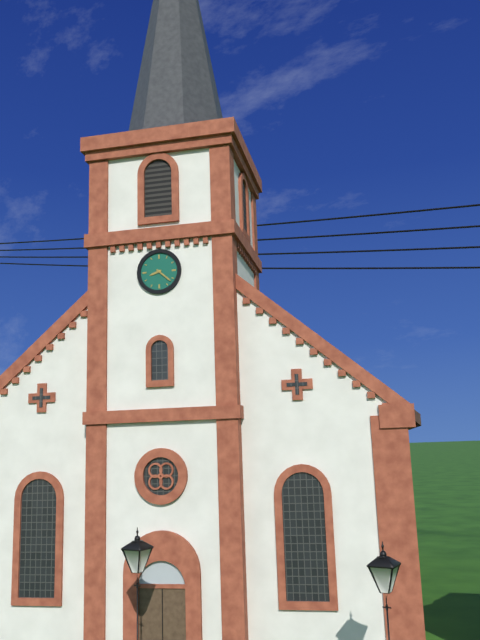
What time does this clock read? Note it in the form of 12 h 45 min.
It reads 8 h 22 min
